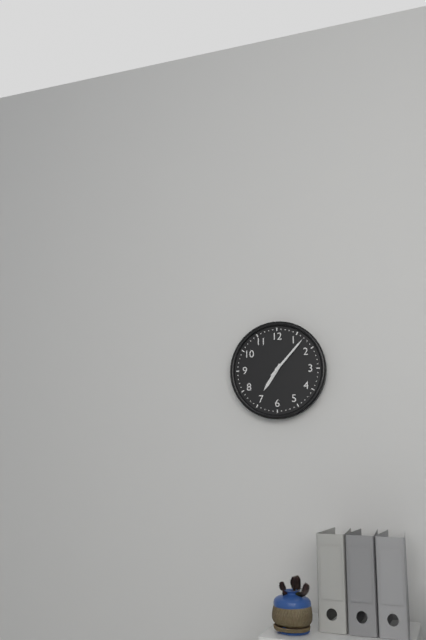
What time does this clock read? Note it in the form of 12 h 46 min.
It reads 7 h 07 min
